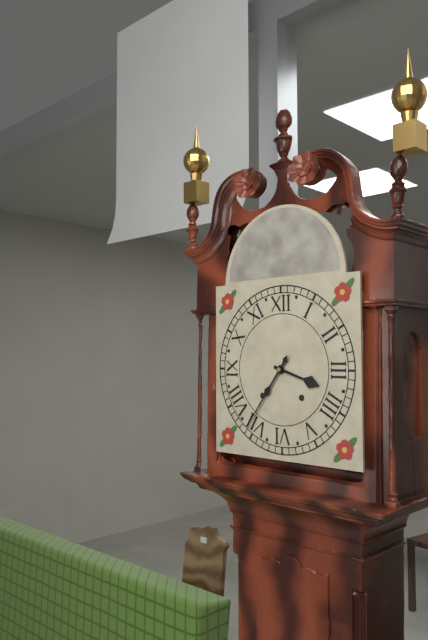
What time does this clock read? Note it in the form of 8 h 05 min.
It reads 3 h 36 min
